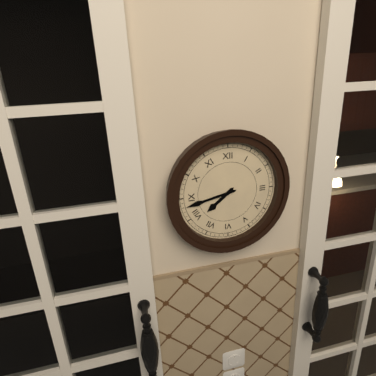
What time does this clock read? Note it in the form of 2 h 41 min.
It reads 7 h 43 min
